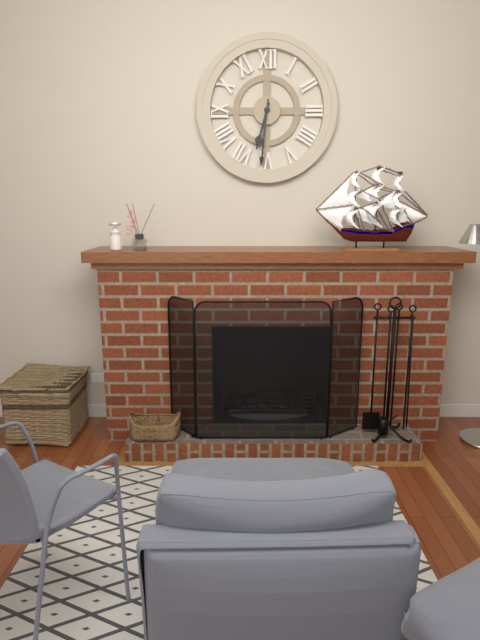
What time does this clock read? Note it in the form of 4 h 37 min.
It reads 6 h 31 min
